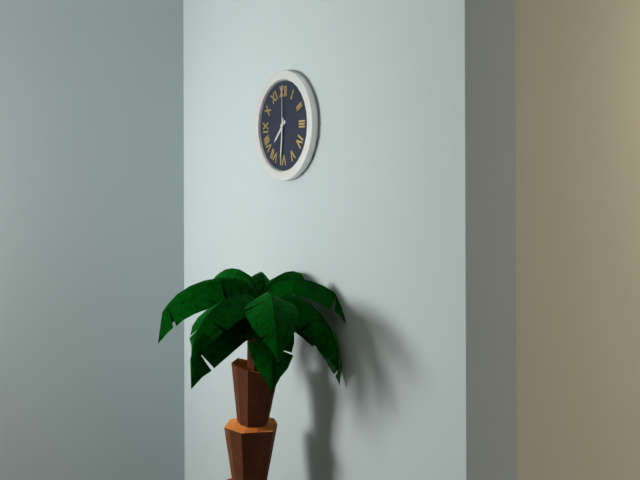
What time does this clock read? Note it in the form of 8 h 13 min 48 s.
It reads 7 h 31 min 00 s
